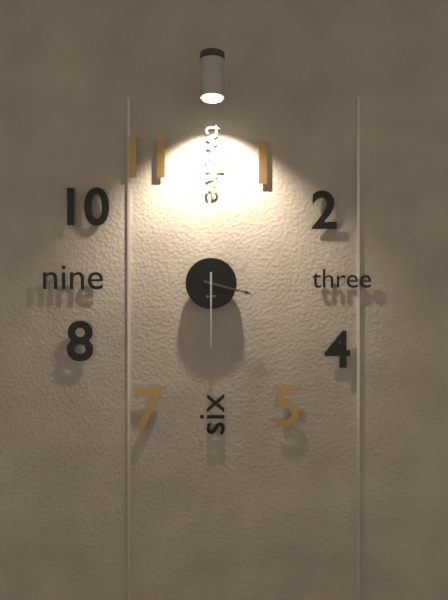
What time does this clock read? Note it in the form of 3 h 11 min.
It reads 3 h 30 min
